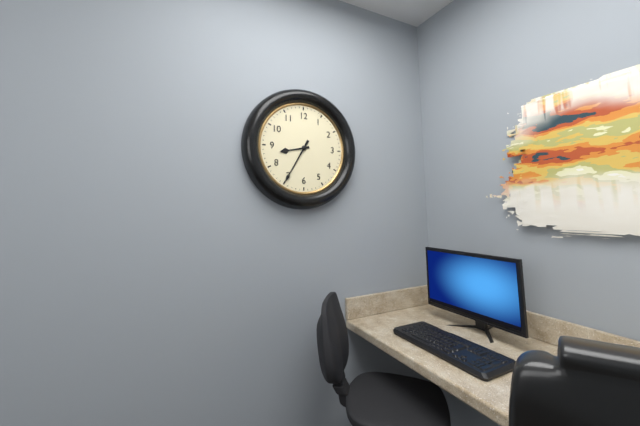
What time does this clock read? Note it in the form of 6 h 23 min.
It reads 8 h 35 min
